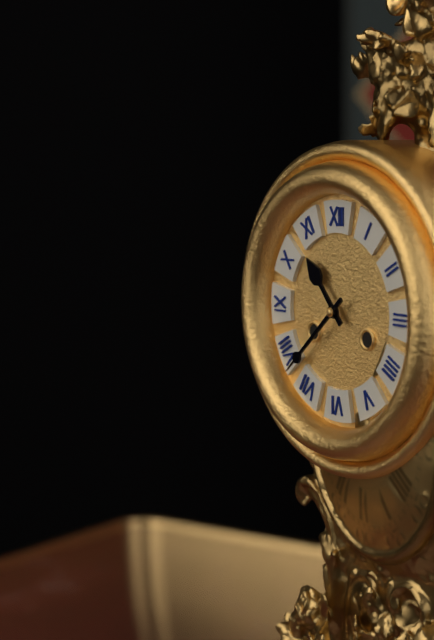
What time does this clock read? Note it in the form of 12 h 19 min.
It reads 10 h 38 min
